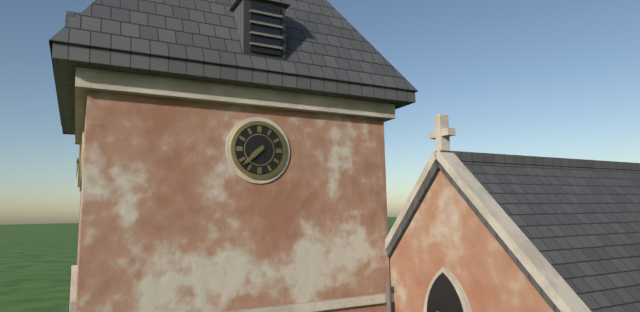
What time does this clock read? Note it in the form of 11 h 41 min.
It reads 7 h 38 min
